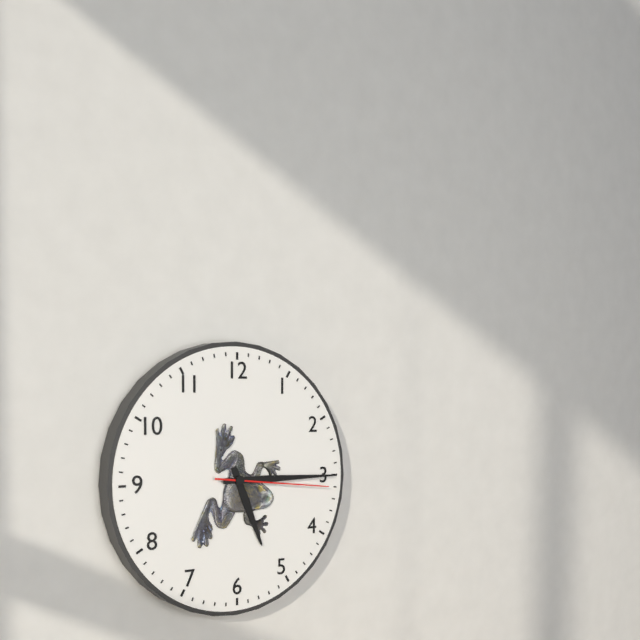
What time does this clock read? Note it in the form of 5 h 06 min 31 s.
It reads 5 h 15 min 16 s
